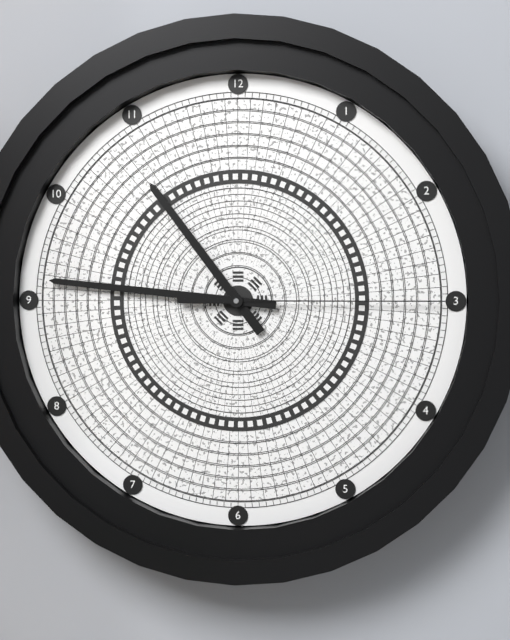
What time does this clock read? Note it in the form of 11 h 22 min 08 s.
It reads 10 h 46 min 15 s
